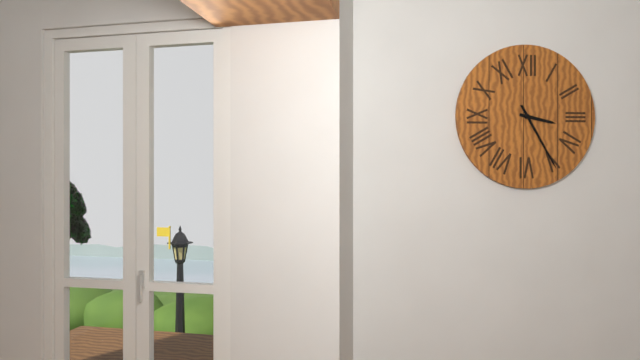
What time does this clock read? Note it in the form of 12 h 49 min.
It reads 3 h 25 min
